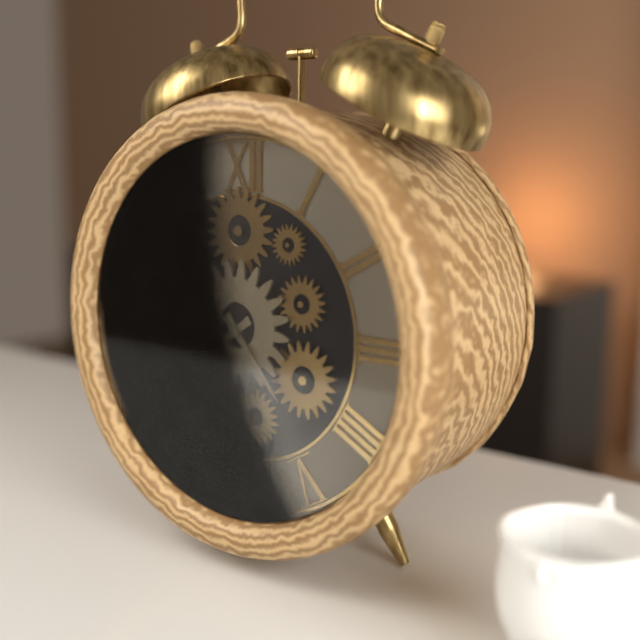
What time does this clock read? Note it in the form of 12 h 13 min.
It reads 4 h 39 min
